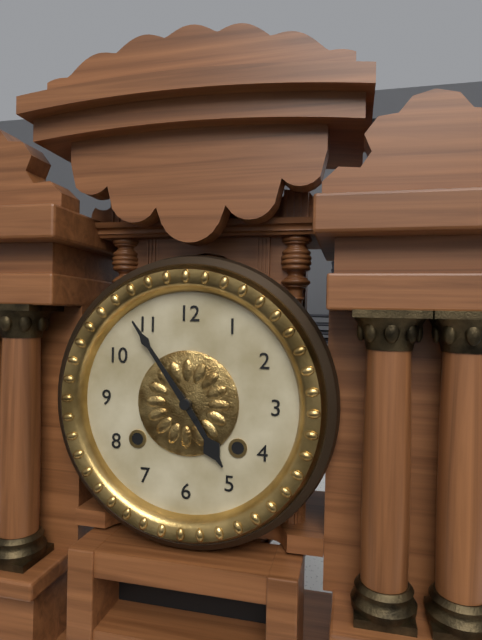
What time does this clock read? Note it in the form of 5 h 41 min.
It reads 4 h 54 min
